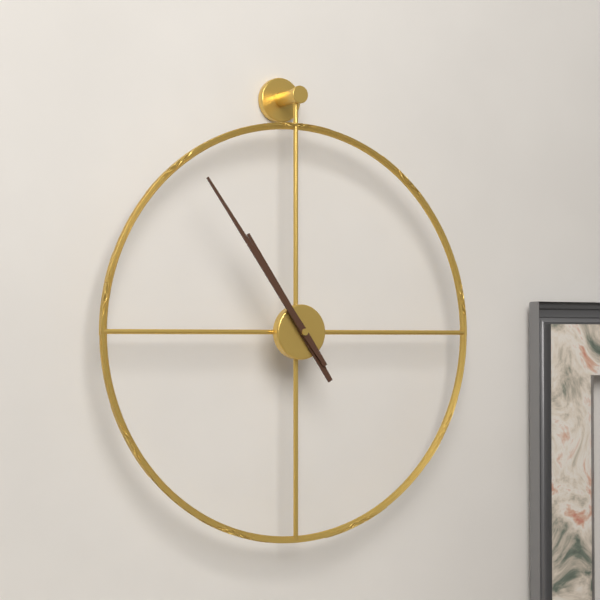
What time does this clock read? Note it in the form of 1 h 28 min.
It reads 10 h 54 min
